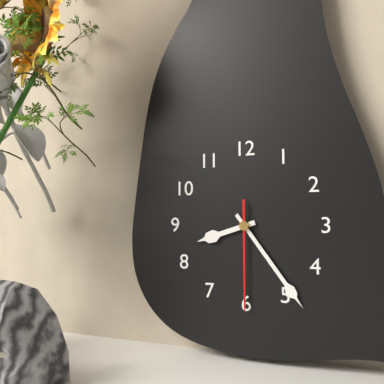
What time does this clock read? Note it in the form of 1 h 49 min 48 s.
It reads 8 h 24 min 30 s
